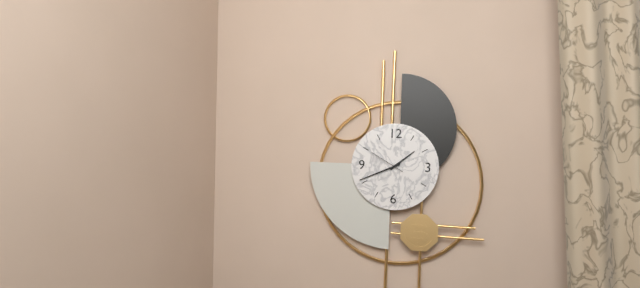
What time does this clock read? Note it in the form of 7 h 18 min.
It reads 1 h 41 min
